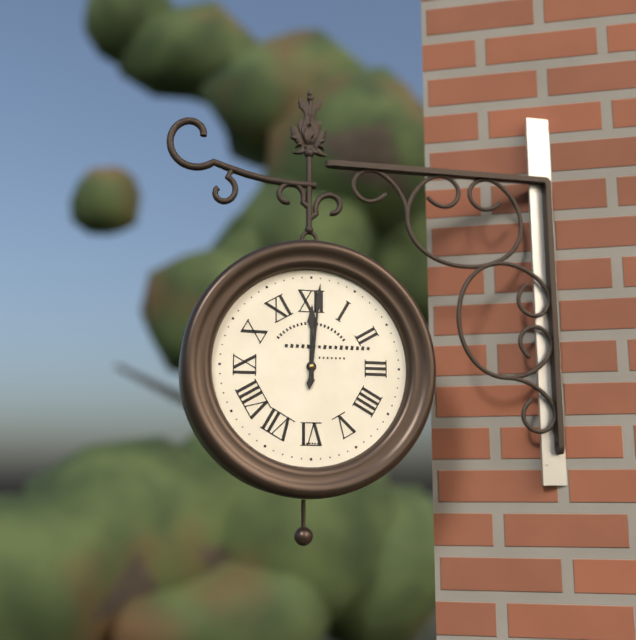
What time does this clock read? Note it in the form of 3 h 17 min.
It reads 12 h 01 min
